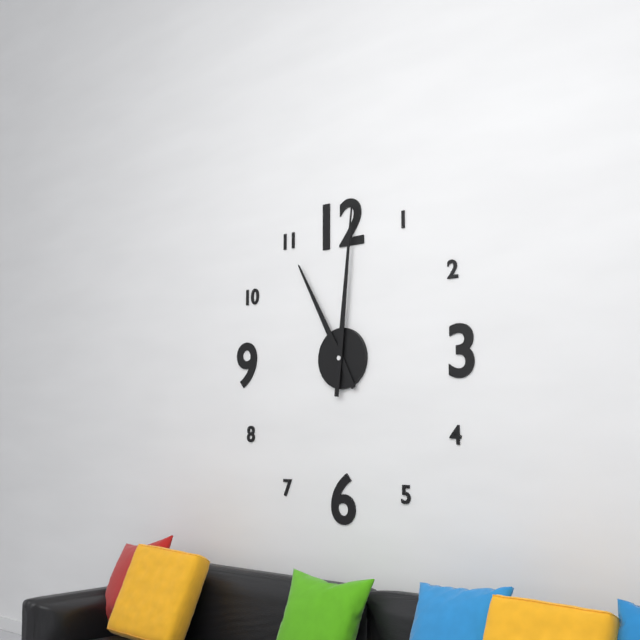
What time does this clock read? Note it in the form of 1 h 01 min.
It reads 11 h 01 min
